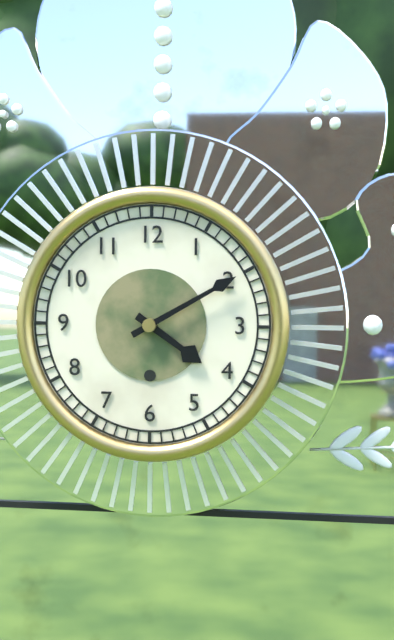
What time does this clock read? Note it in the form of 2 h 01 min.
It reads 4 h 10 min
